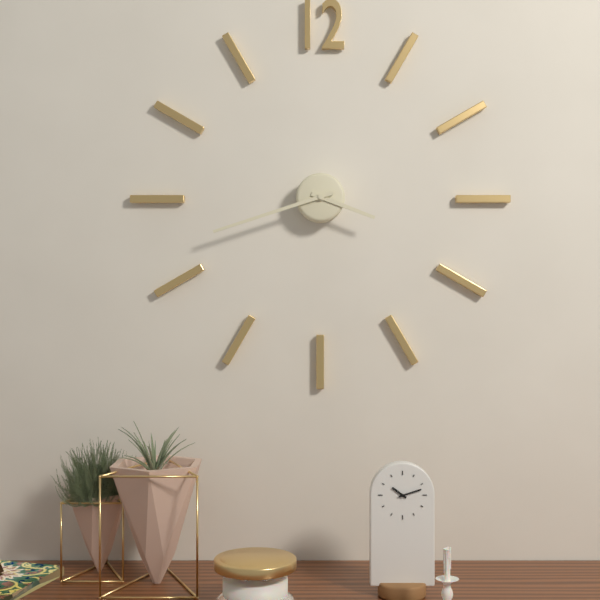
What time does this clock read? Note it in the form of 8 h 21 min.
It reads 3 h 42 min
